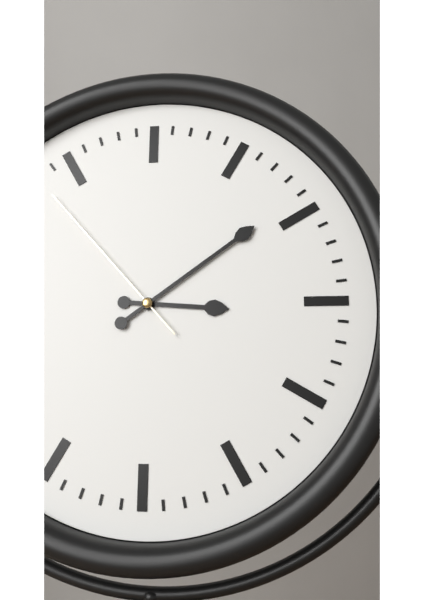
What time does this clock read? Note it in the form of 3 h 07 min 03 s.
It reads 3 h 09 min 53 s
